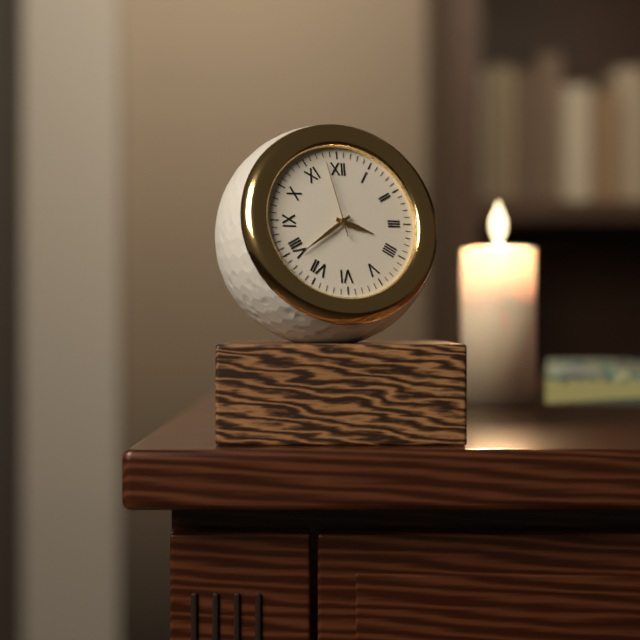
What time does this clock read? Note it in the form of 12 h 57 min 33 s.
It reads 3 h 39 min 58 s
